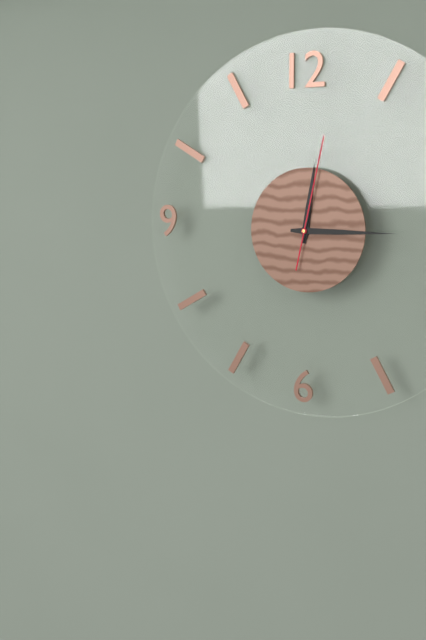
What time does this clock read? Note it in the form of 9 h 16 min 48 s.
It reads 12 h 15 min 02 s
